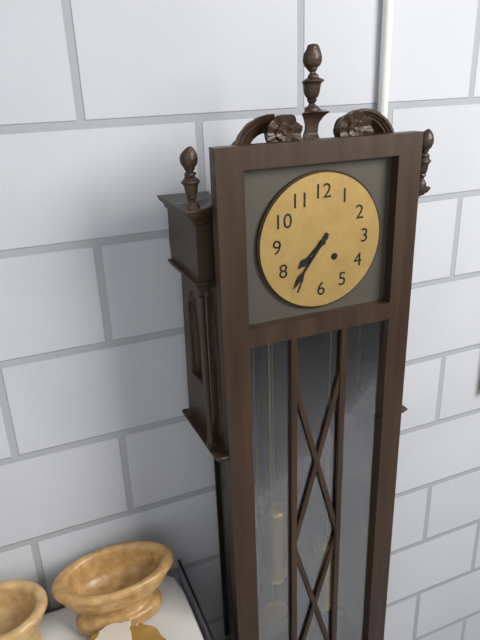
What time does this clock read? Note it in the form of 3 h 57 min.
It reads 7 h 36 min
